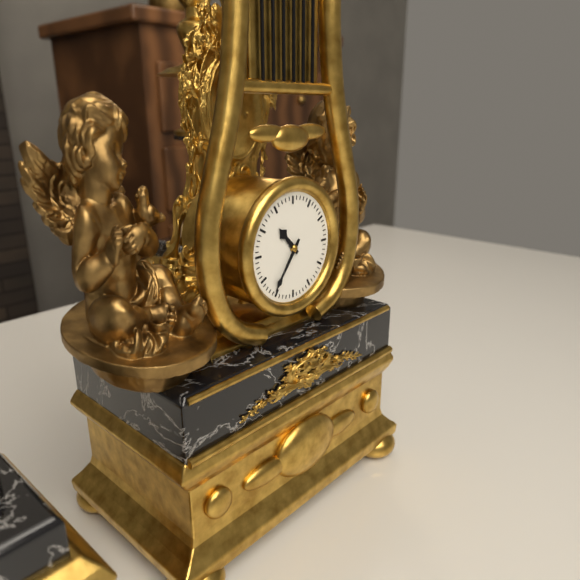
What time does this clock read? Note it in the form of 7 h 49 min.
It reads 10 h 36 min
